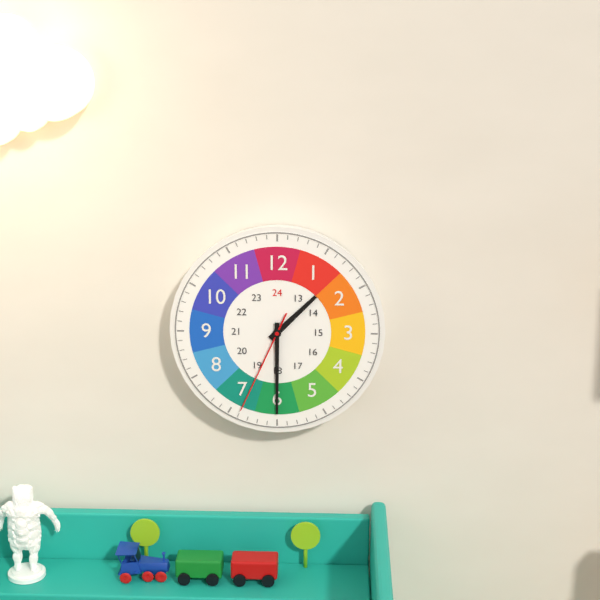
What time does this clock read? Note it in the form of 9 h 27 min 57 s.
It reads 1 h 30 min 34 s
